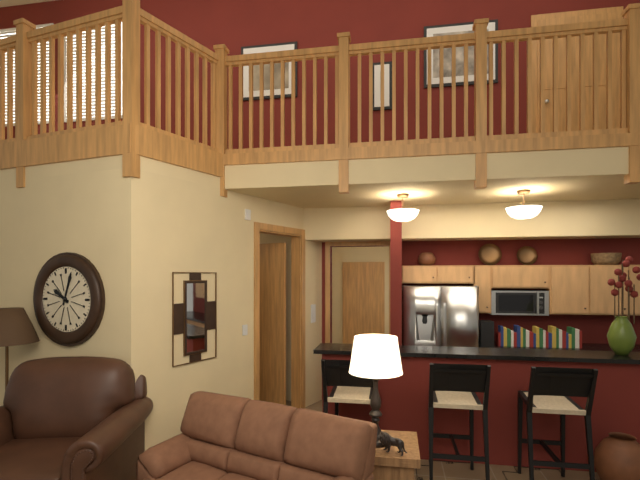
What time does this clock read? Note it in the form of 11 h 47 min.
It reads 10 h 03 min
